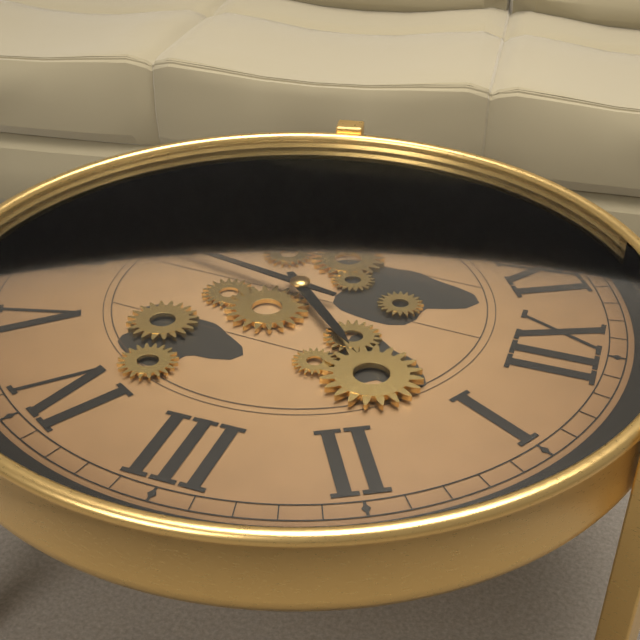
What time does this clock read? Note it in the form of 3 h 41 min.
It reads 1 h 32 min
